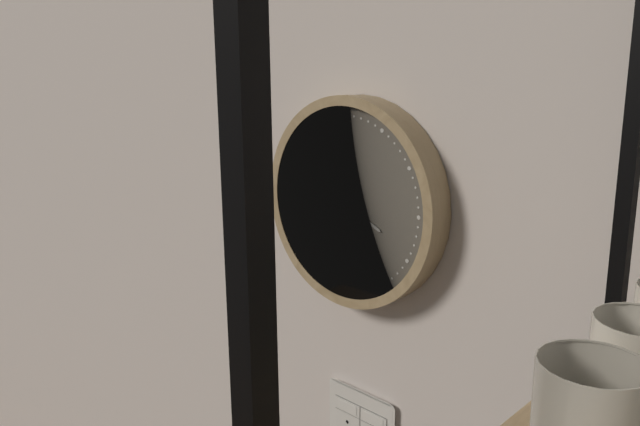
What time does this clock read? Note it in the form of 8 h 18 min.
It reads 3 h 50 min
